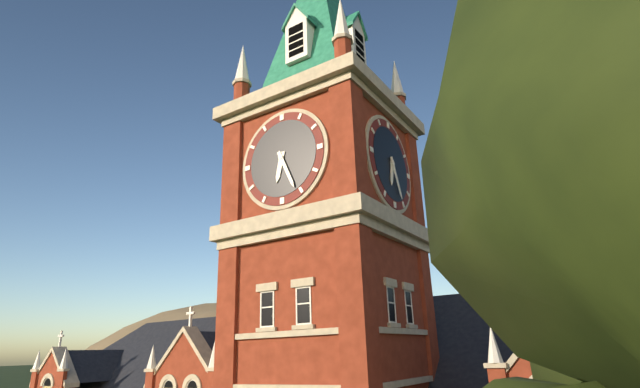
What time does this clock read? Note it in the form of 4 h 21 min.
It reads 6 h 26 min
